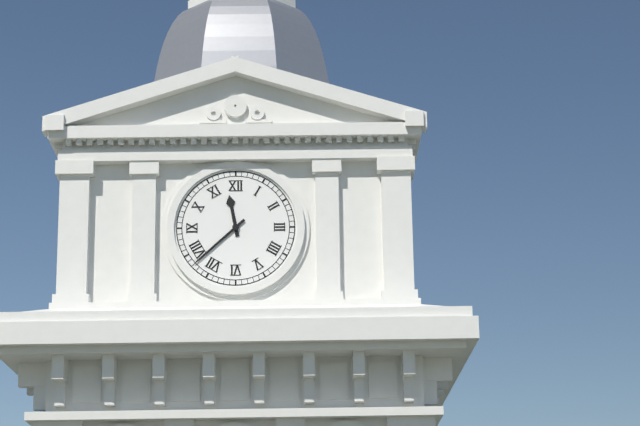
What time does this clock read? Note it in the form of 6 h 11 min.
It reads 11 h 38 min
